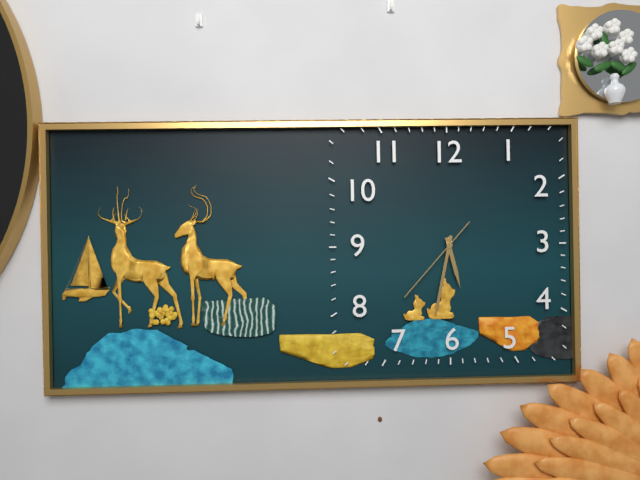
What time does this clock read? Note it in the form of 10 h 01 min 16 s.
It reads 5 h 32 min 37 s
